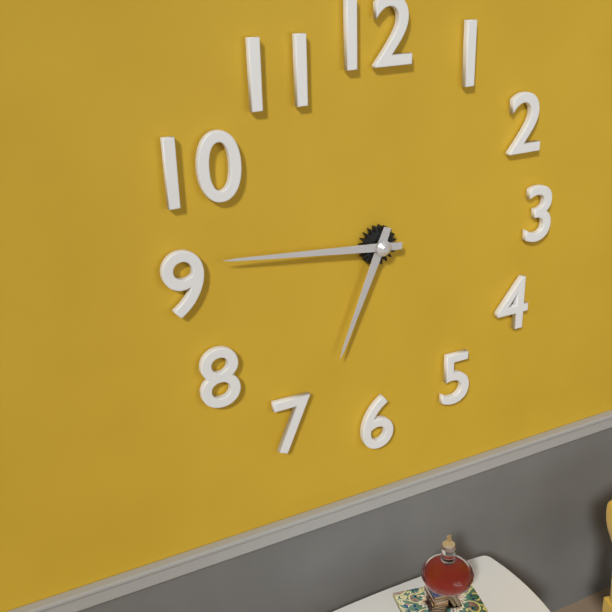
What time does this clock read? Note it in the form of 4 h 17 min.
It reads 6 h 46 min
